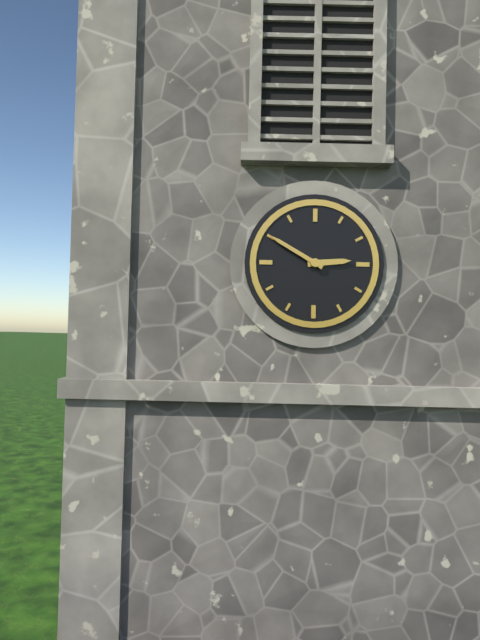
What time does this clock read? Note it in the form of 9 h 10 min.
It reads 2 h 50 min
